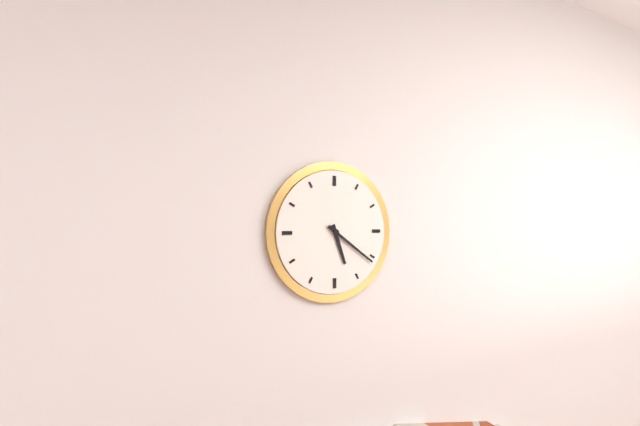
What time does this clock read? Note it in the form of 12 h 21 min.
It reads 5 h 21 min
